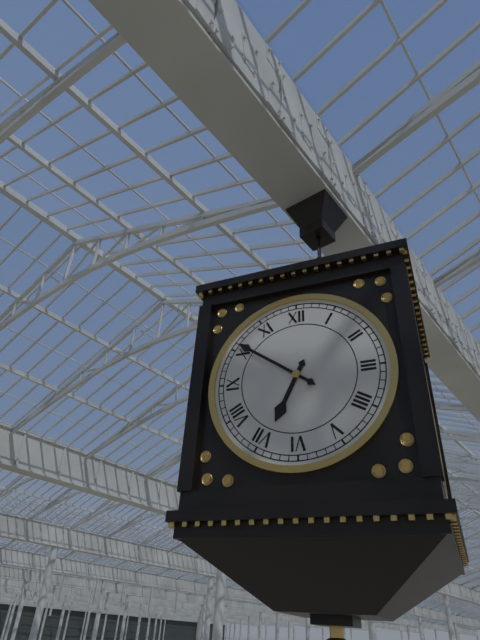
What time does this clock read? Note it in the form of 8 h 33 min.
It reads 6 h 51 min
